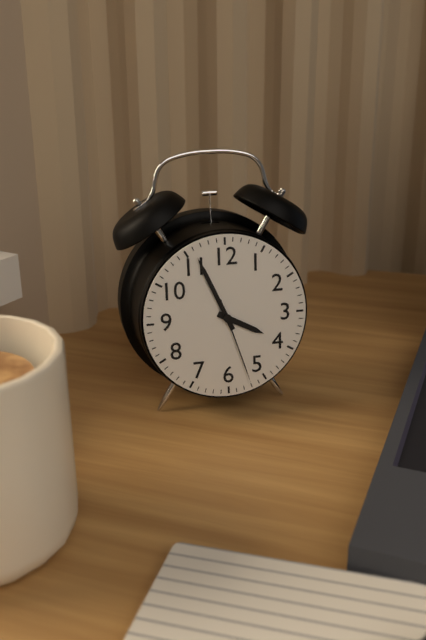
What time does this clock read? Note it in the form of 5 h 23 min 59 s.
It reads 3 h 56 min 27 s
